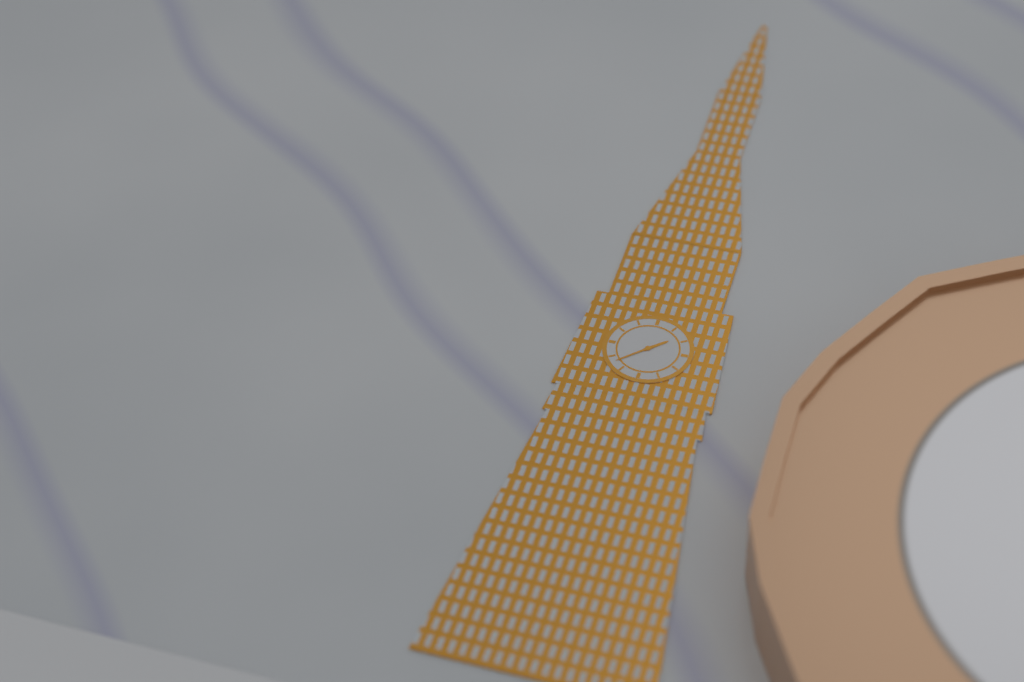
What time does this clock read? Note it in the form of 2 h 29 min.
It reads 1 h 38 min
